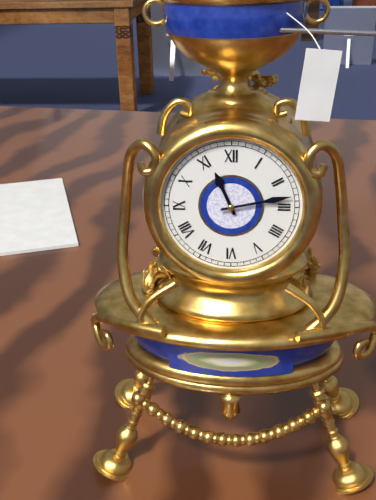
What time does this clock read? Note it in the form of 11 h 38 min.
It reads 11 h 13 min
